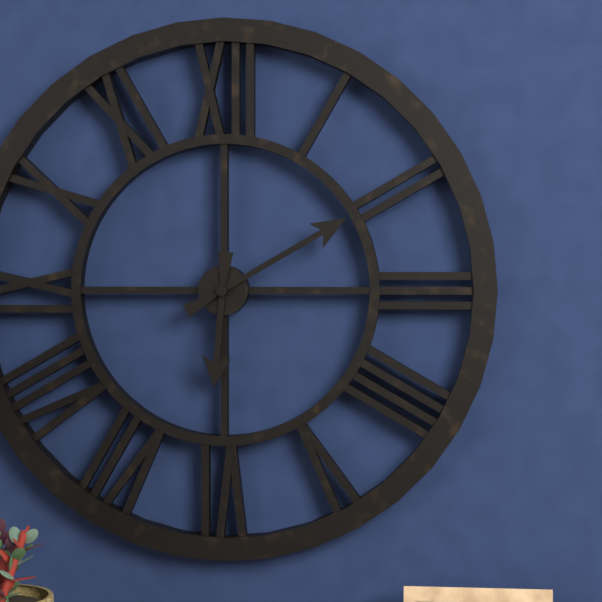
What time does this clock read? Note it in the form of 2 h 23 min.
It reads 6 h 10 min
